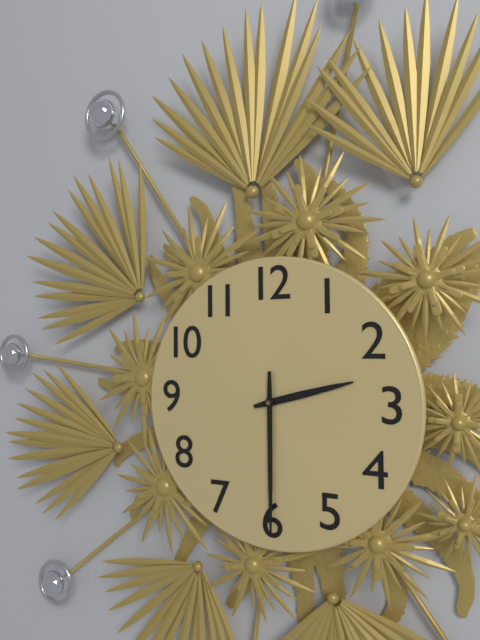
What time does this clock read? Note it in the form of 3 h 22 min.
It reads 2 h 30 min
